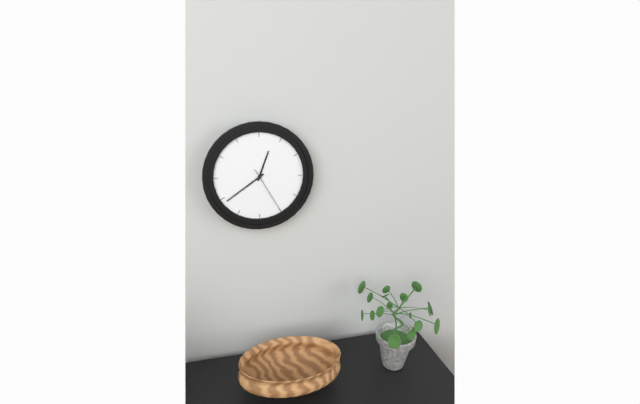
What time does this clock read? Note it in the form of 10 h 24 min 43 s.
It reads 12 h 39 min 25 s
